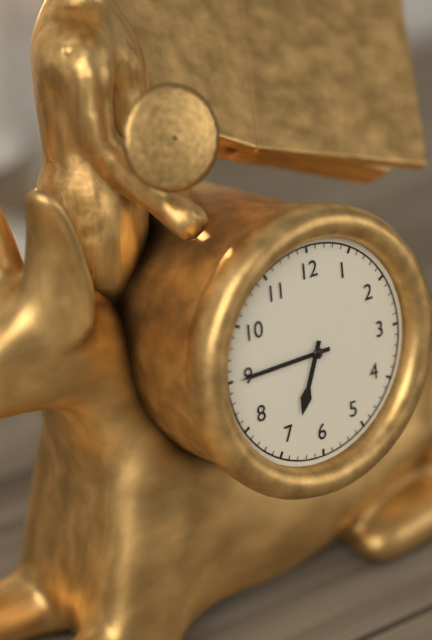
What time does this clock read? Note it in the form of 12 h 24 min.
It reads 6 h 45 min
